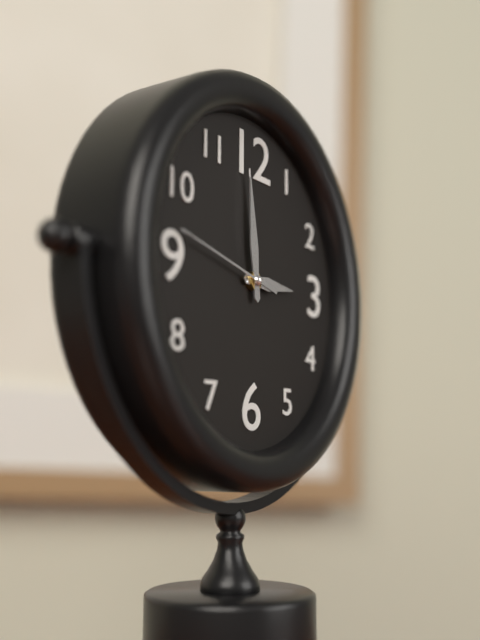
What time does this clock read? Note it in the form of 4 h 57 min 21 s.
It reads 2 h 59 min 47 s
